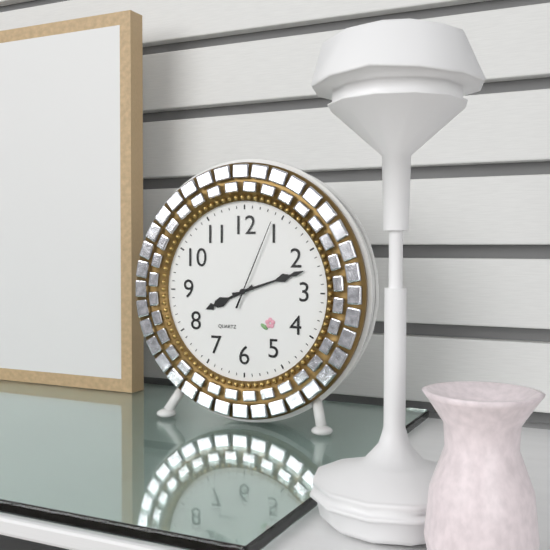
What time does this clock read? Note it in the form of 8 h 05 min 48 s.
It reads 8 h 12 min 04 s
